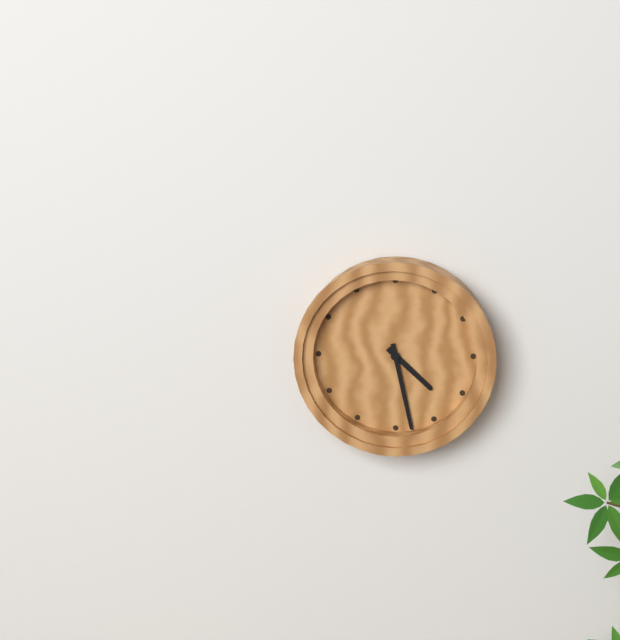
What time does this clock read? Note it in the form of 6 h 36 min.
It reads 4 h 28 min
